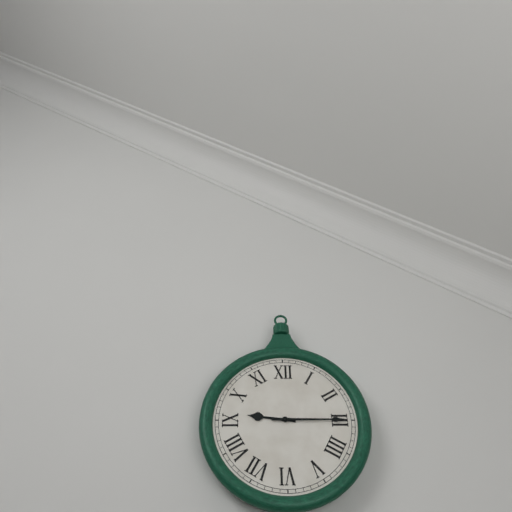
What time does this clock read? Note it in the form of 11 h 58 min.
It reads 9 h 15 min
